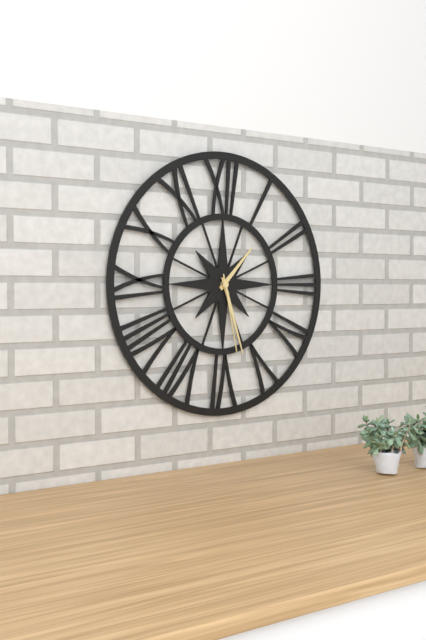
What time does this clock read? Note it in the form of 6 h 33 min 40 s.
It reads 1 h 27 min 28 s
